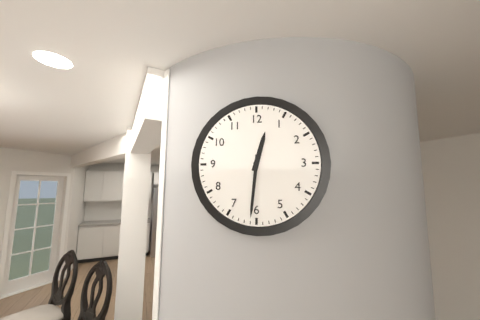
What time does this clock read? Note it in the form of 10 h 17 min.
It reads 12 h 31 min
